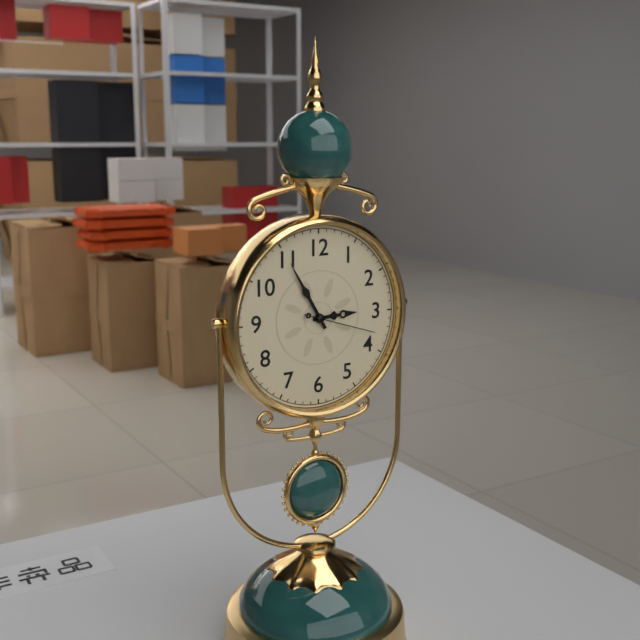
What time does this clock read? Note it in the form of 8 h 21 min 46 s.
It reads 2 h 55 min 18 s
